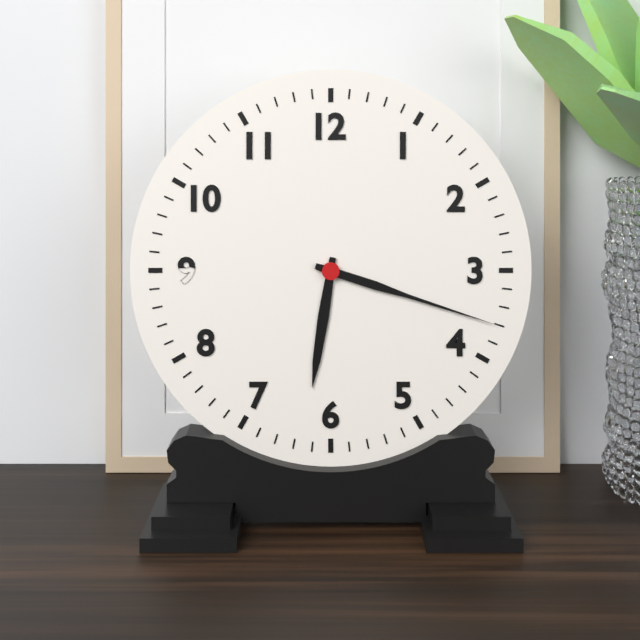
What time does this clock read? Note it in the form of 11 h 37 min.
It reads 6 h 18 min
